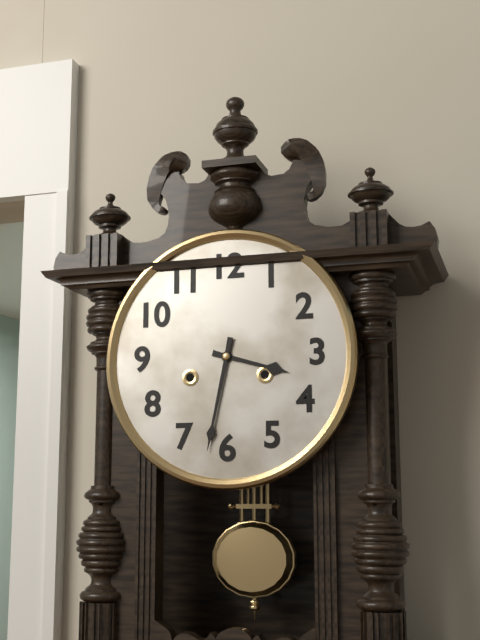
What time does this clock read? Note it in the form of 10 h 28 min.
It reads 3 h 32 min
